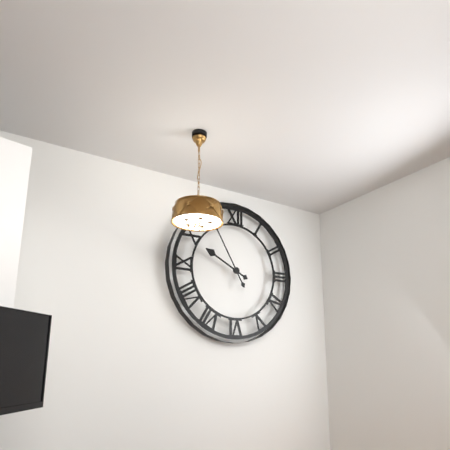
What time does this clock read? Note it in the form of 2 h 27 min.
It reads 9 h 55 min
